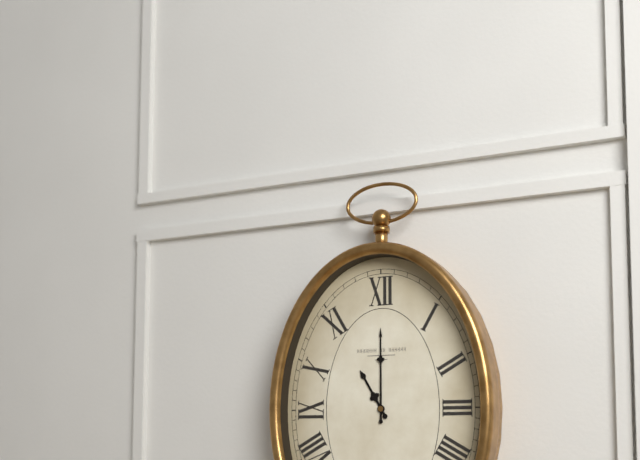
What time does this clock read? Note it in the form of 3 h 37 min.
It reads 11 h 00 min
